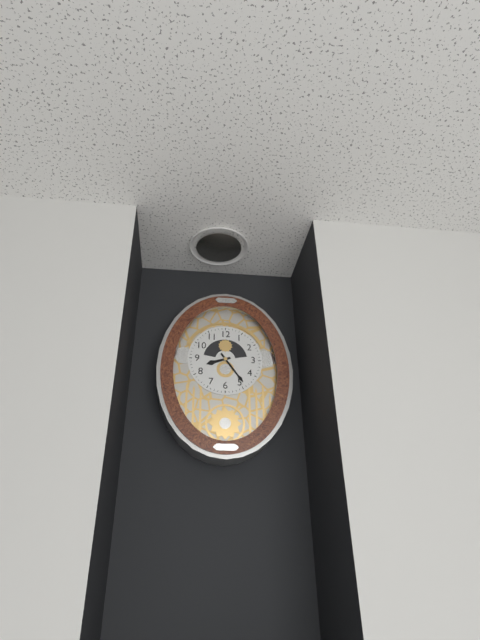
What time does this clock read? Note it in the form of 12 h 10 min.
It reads 8 h 24 min
